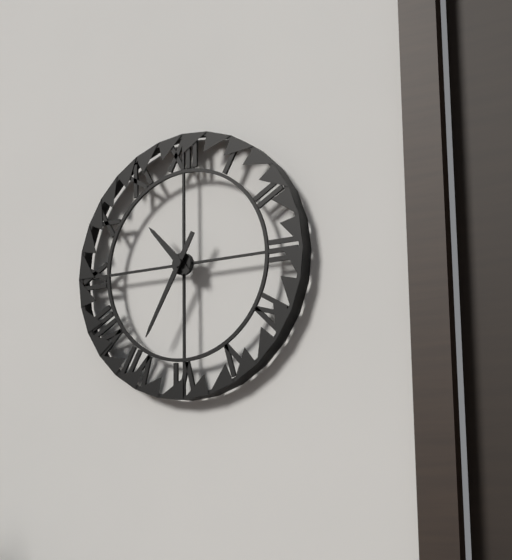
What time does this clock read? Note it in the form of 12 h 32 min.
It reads 10 h 35 min
